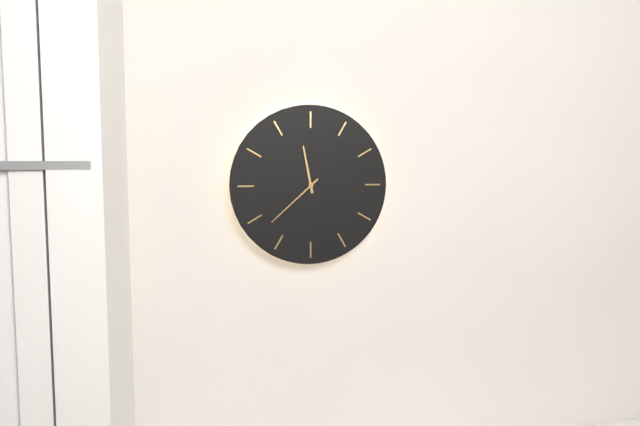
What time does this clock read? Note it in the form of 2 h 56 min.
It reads 11 h 38 min
